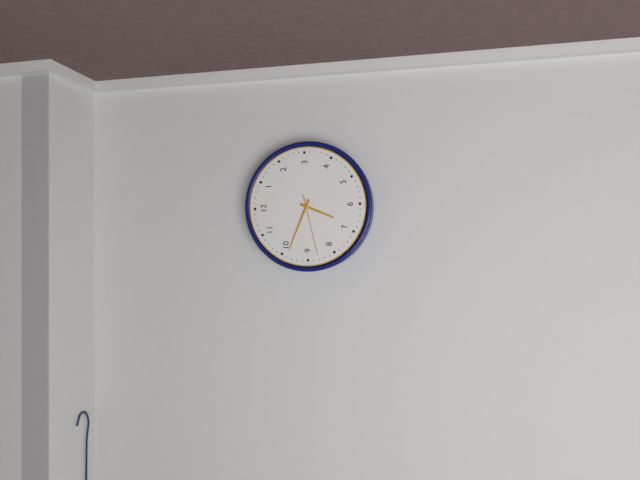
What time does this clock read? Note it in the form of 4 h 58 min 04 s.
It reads 6 h 49 min 43 s
